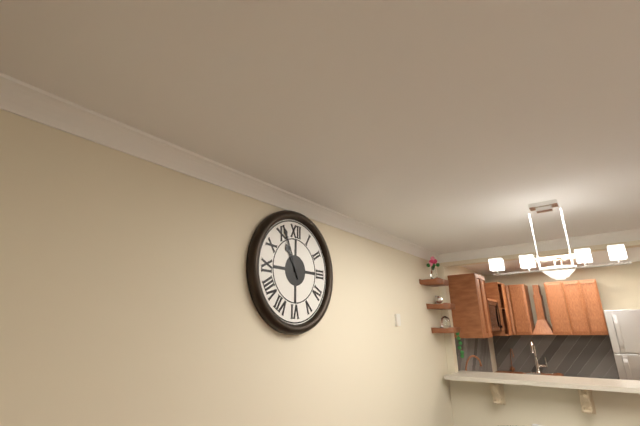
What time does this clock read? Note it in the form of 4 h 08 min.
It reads 10 h 56 min
